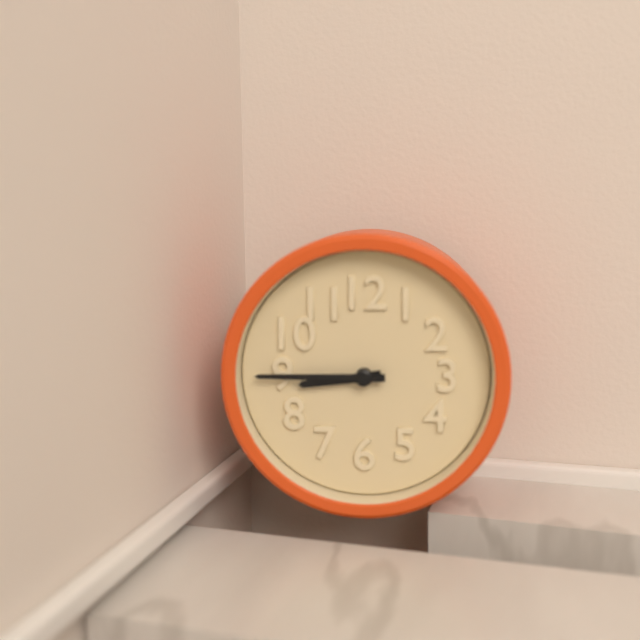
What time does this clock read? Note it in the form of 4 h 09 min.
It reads 8 h 45 min
